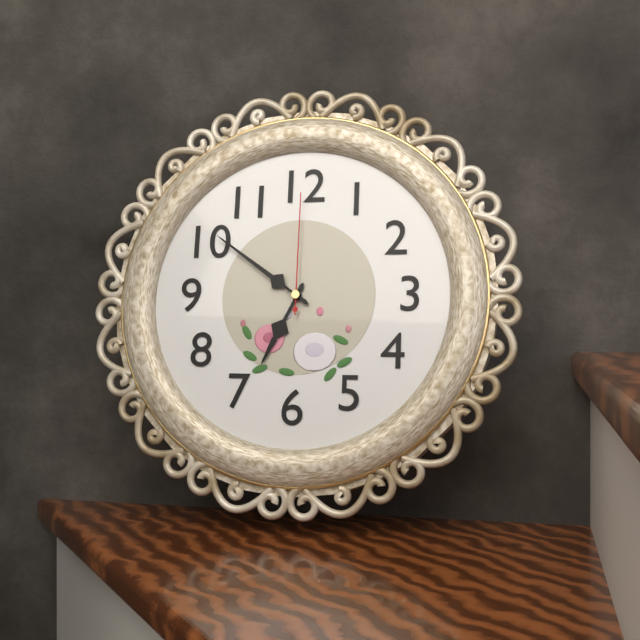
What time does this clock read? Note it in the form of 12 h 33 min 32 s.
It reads 6 h 51 min 00 s
